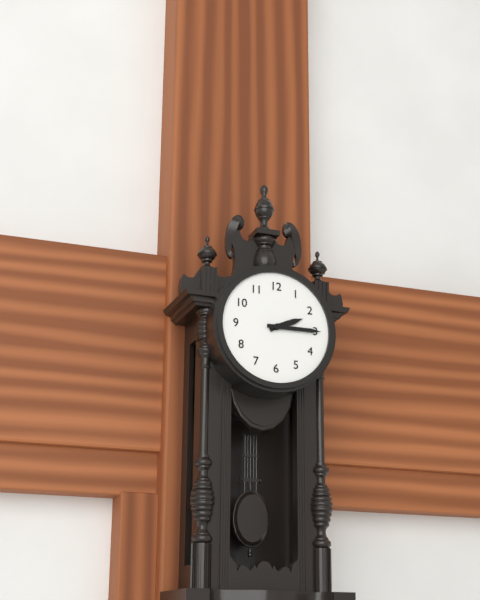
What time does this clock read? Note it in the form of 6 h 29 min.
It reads 2 h 15 min
